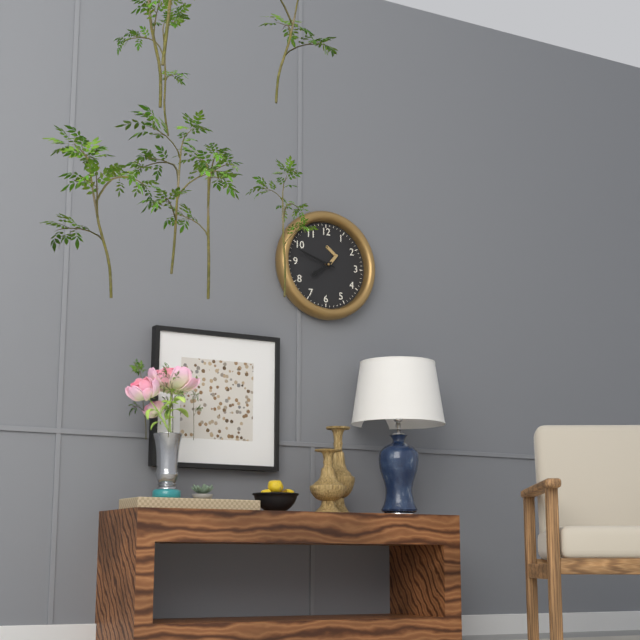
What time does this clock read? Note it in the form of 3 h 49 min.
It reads 7 h 48 min
